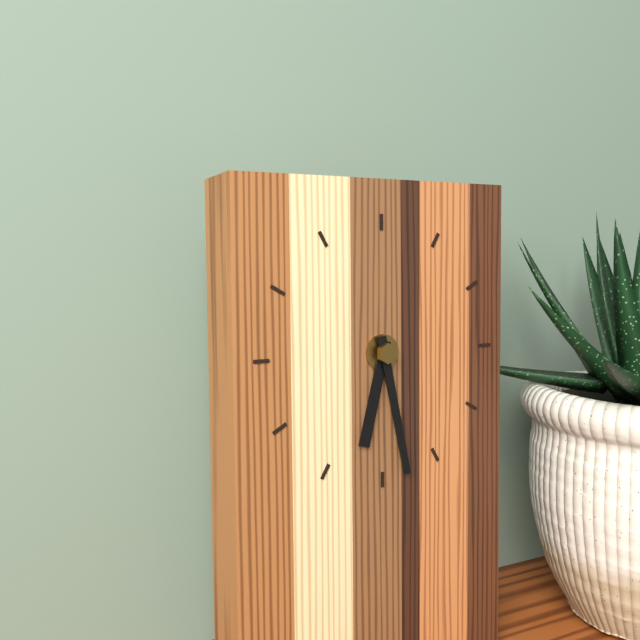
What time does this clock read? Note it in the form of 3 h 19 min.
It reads 6 h 28 min
